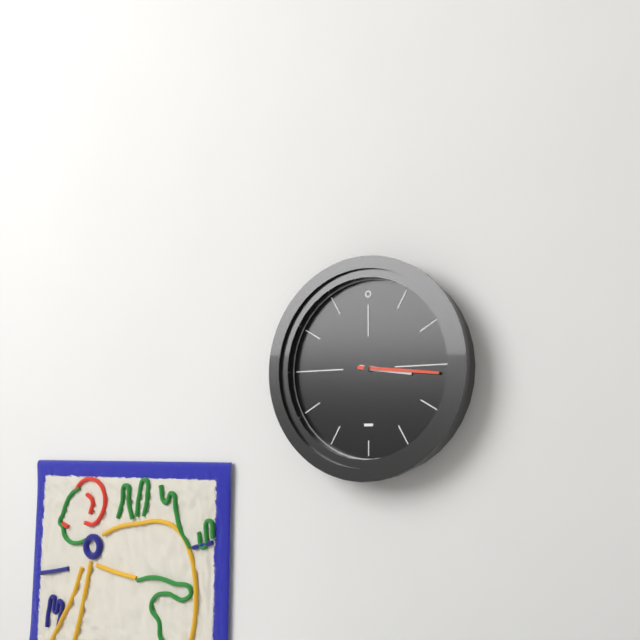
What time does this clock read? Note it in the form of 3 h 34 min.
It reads 3 h 16 min
